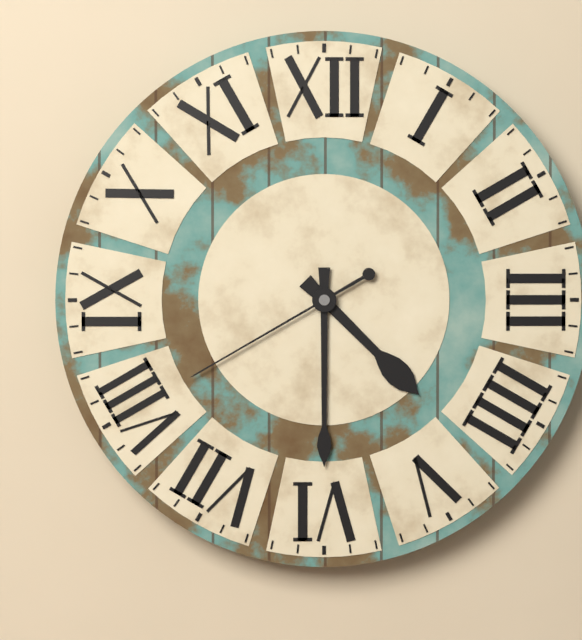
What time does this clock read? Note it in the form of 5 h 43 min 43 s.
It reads 4 h 30 min 40 s
